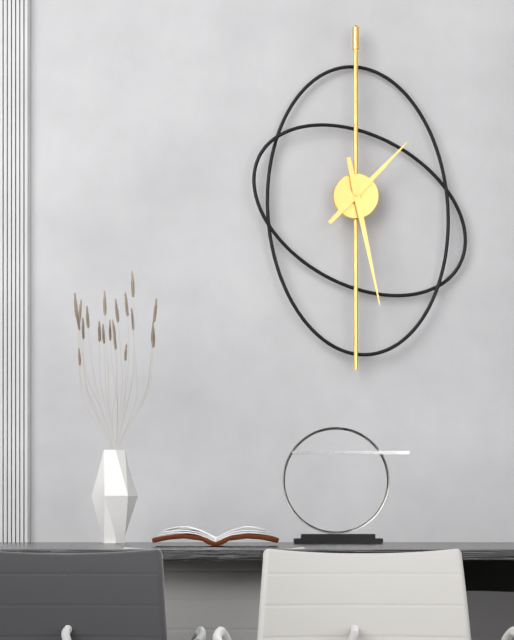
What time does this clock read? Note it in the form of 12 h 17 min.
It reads 1 h 28 min
